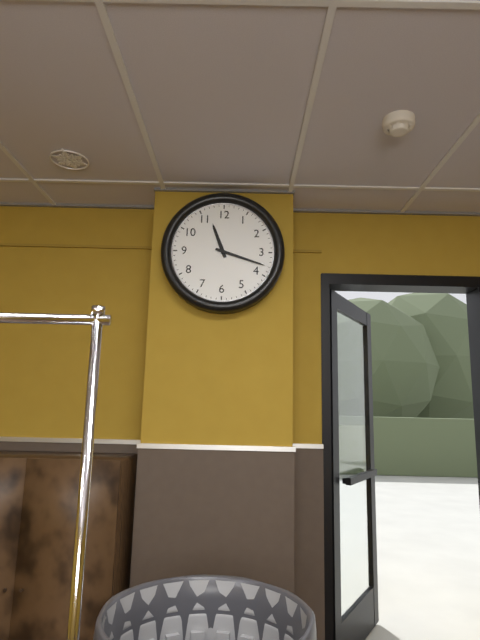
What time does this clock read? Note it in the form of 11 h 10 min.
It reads 11 h 18 min
